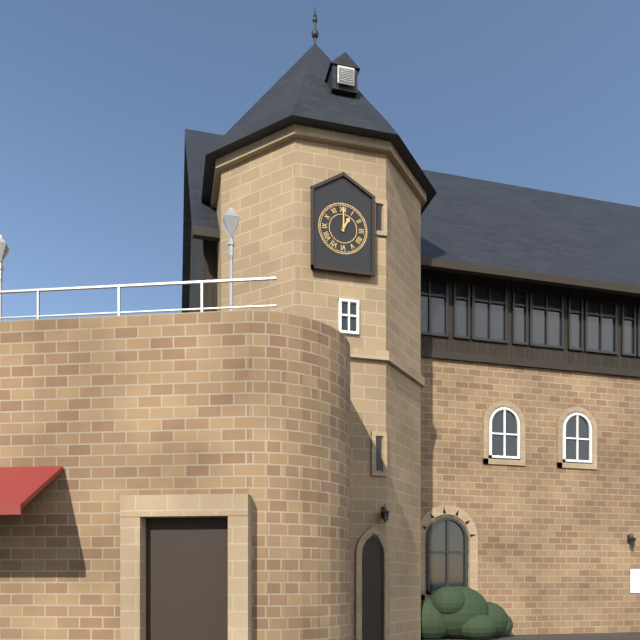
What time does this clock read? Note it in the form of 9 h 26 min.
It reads 1 h 00 min
